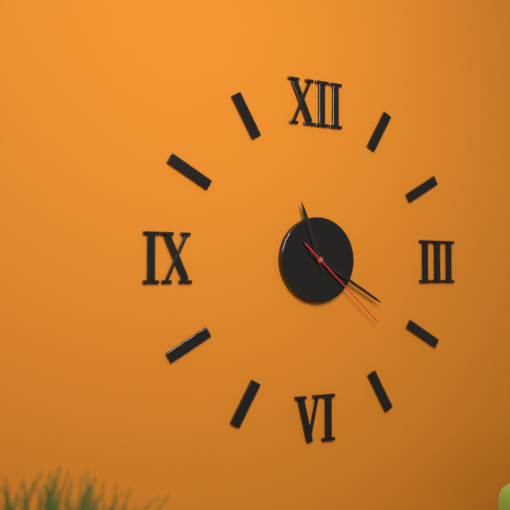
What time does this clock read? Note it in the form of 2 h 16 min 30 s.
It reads 11 h 20 min 22 s
